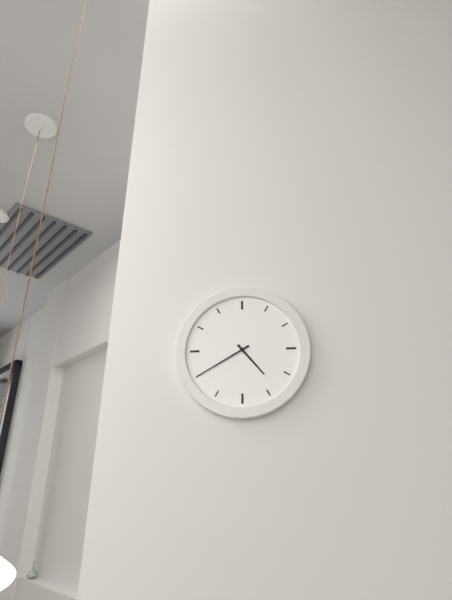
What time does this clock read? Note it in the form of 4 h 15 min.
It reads 4 h 40 min
